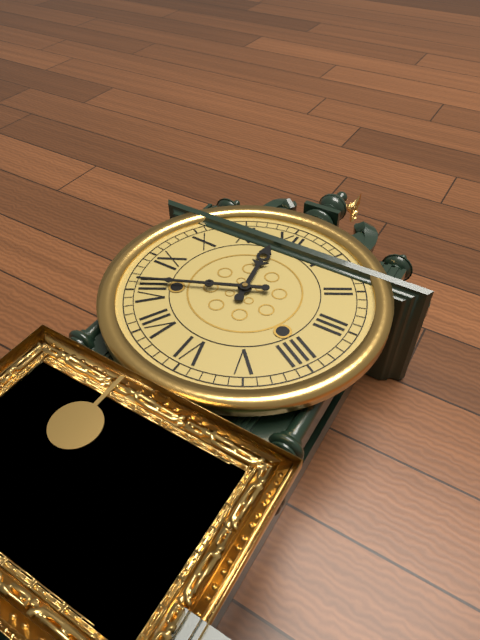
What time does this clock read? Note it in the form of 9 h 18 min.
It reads 11 h 41 min
